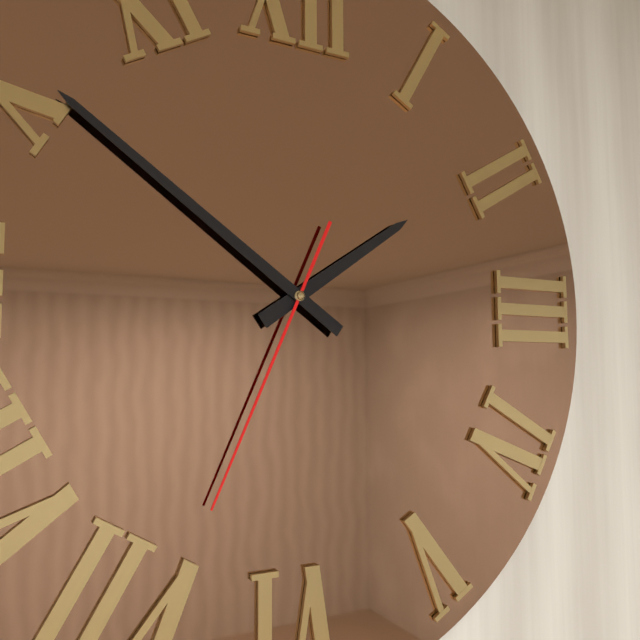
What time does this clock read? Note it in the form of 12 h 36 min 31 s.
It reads 1 h 51 min 34 s
